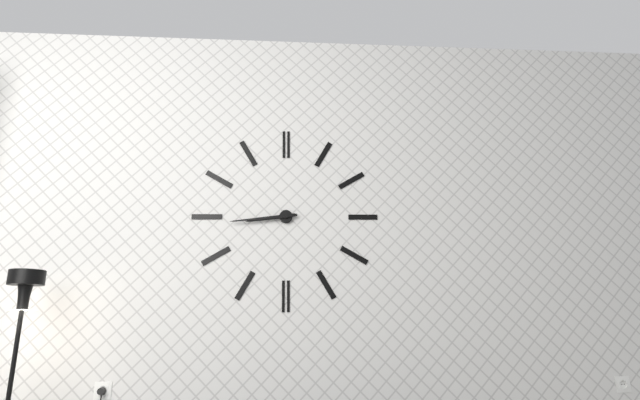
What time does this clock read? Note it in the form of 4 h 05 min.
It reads 8 h 44 min
